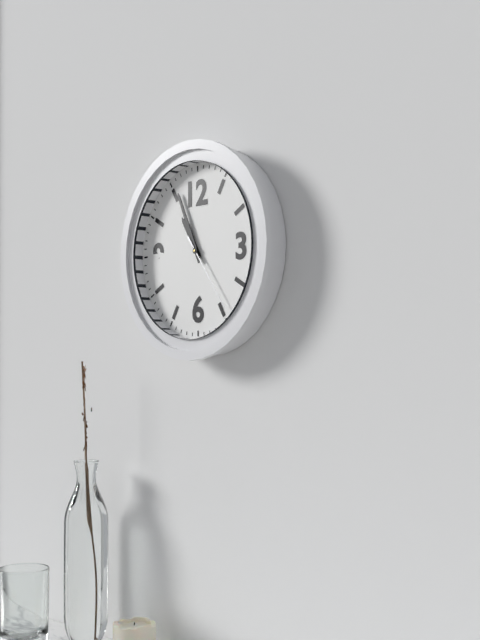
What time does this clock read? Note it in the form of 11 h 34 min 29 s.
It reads 10 h 56 min 24 s
